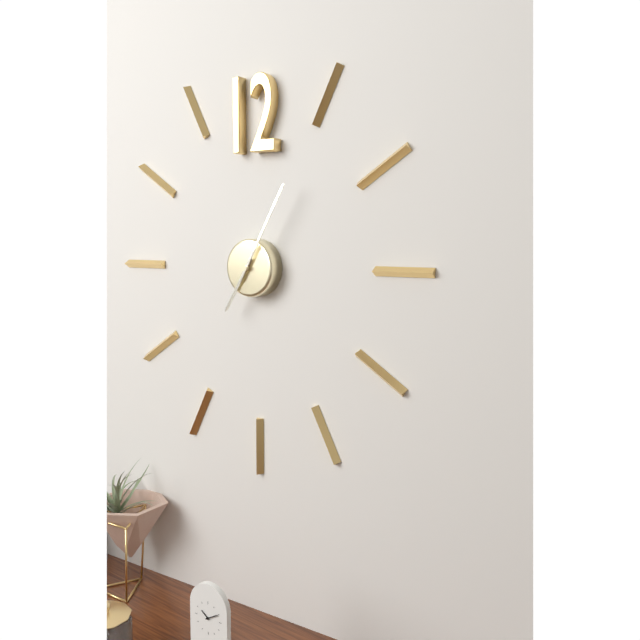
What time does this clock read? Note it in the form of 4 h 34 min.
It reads 7 h 05 min
